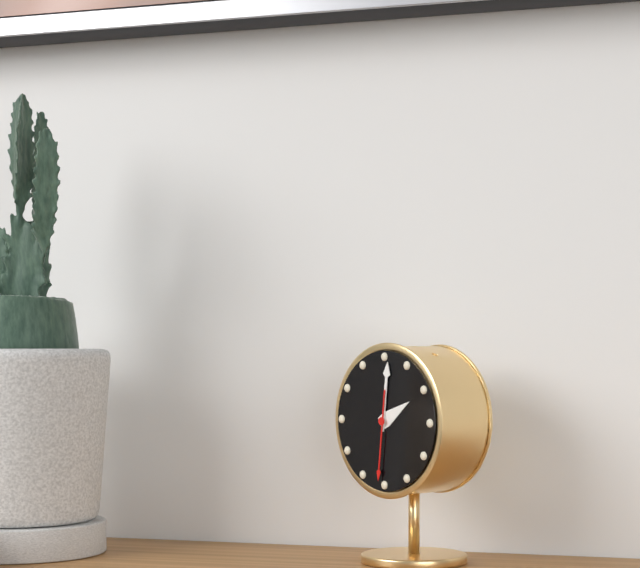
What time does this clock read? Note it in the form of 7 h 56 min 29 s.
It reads 2 h 01 min 31 s
